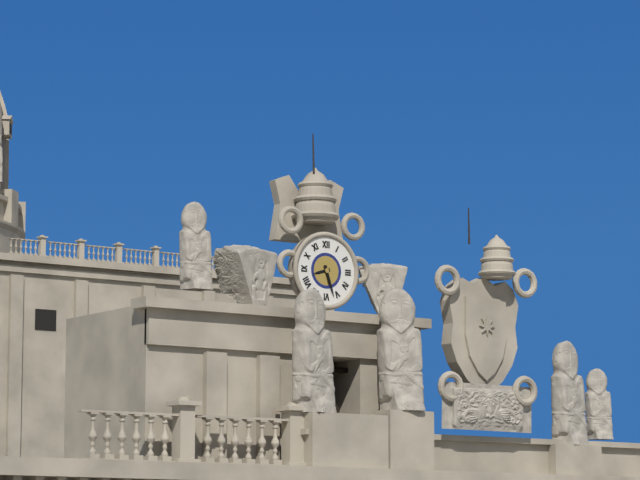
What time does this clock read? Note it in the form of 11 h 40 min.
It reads 8 h 27 min
